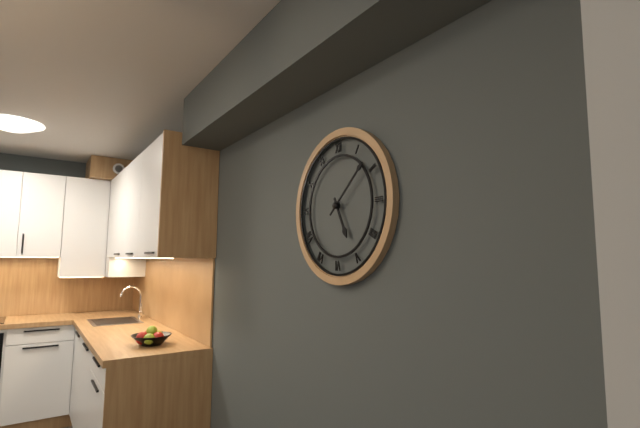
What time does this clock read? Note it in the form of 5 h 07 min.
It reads 5 h 08 min
